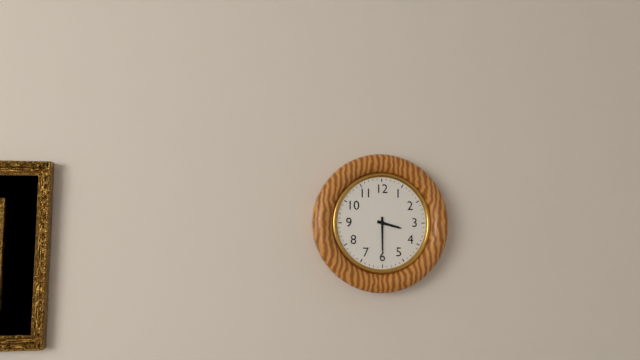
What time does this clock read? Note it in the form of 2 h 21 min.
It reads 3 h 30 min
